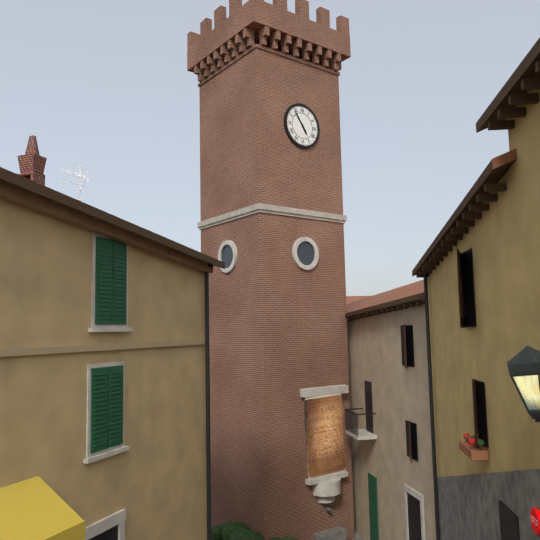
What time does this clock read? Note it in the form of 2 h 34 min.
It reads 4 h 54 min
